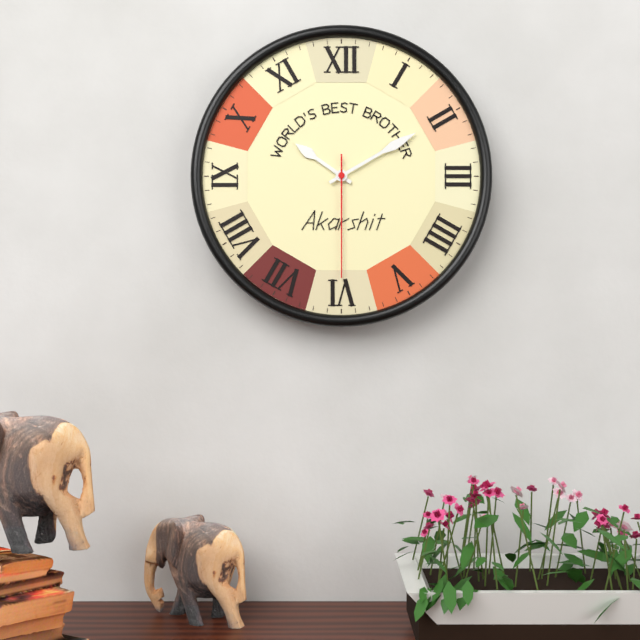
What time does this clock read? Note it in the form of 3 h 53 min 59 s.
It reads 10 h 10 min 30 s
